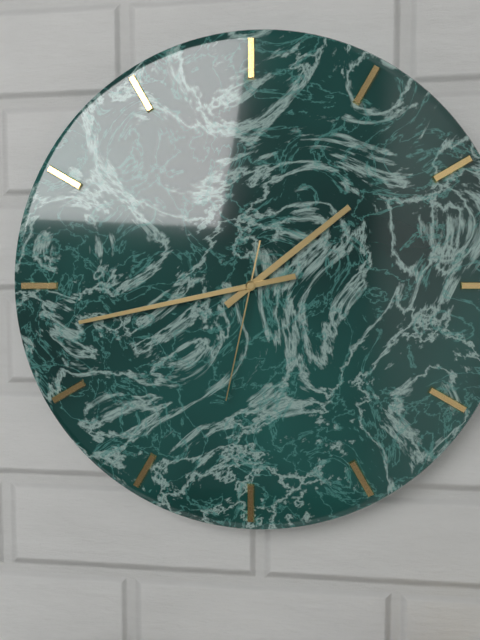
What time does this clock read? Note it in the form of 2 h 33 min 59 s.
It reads 1 h 43 min 32 s
